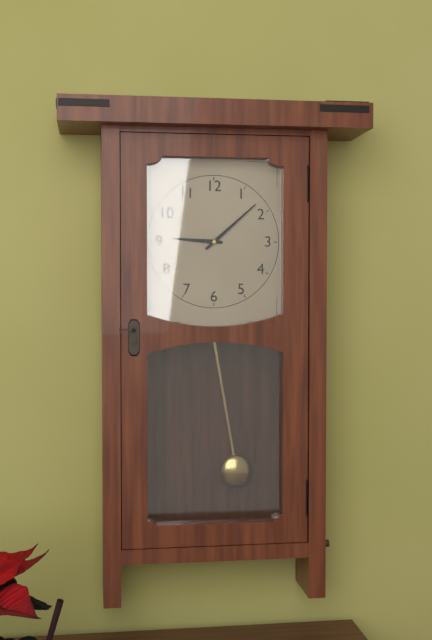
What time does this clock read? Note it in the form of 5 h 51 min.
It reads 9 h 08 min
